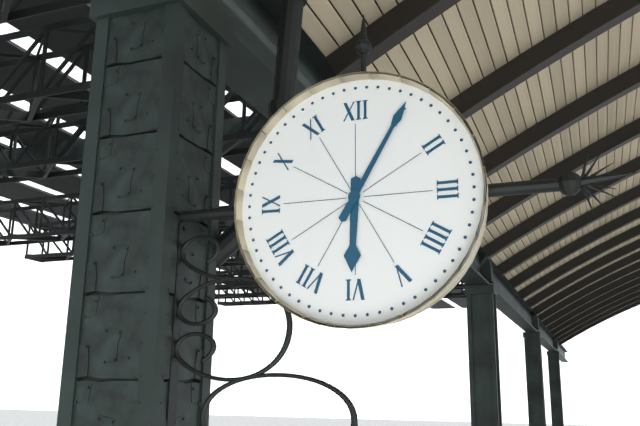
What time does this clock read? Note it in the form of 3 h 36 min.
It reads 6 h 05 min
